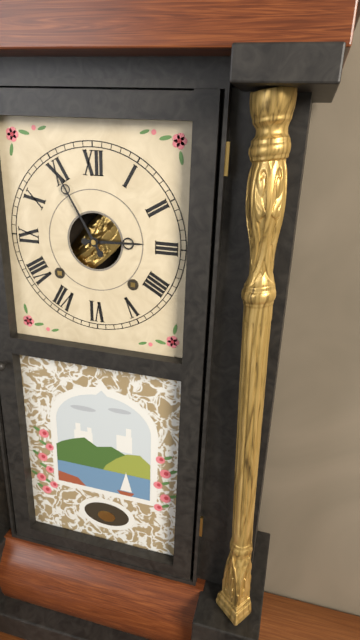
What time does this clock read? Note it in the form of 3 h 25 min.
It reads 2 h 55 min
